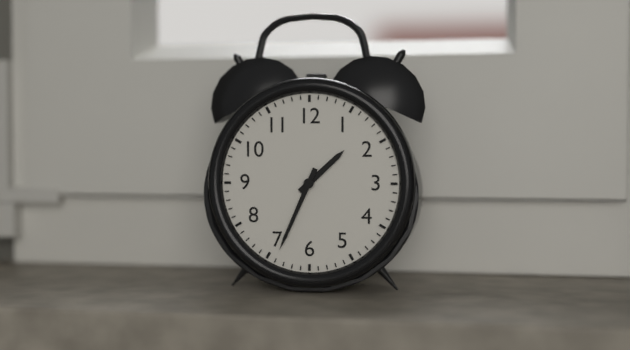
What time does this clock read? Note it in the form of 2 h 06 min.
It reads 1 h 34 min
